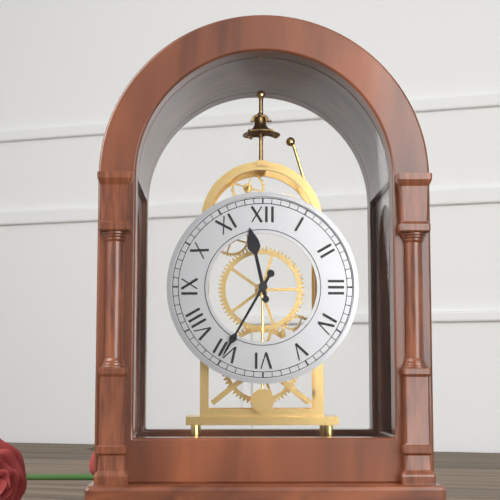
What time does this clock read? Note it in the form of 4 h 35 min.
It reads 11 h 35 min
